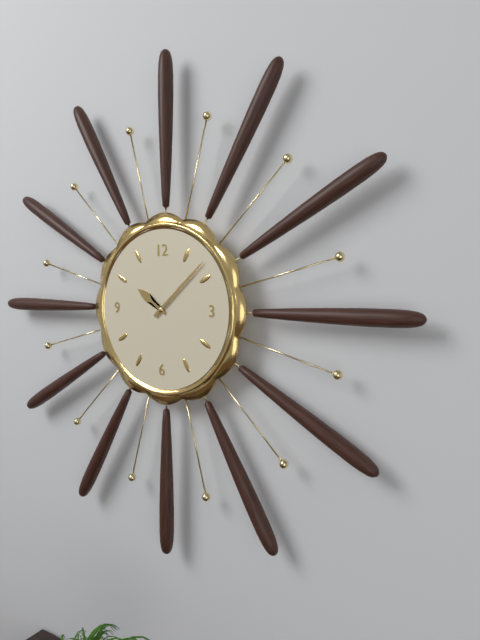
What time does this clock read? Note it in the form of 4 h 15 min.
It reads 10 h 08 min
